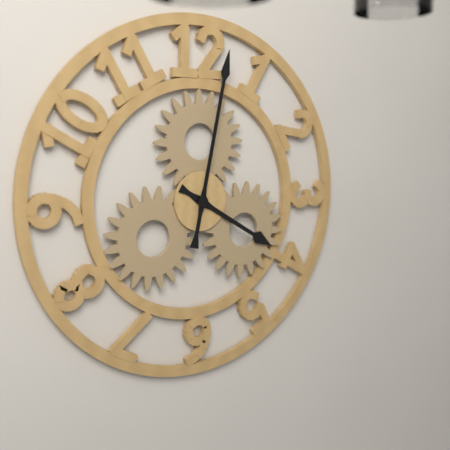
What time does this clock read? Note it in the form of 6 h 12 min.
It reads 4 h 02 min
